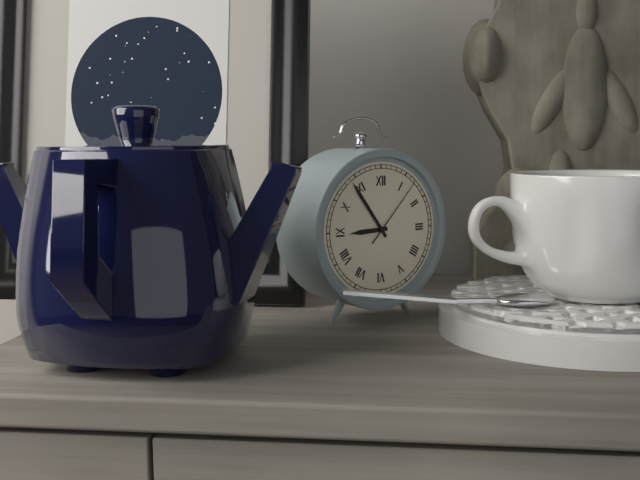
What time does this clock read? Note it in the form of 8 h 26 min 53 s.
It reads 8 h 54 min 07 s
